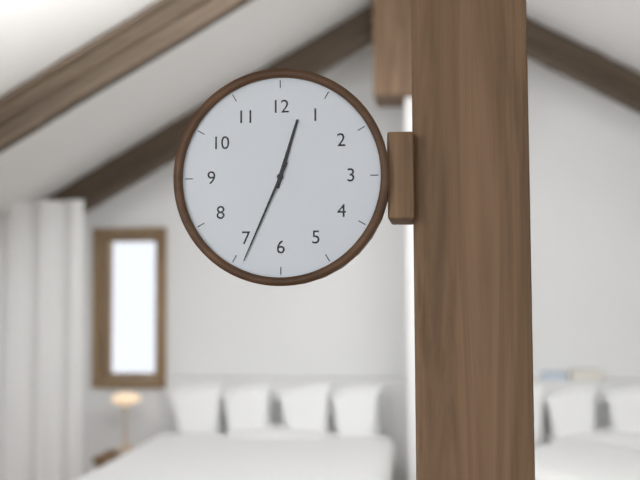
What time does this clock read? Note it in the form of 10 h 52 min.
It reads 12 h 34 min
